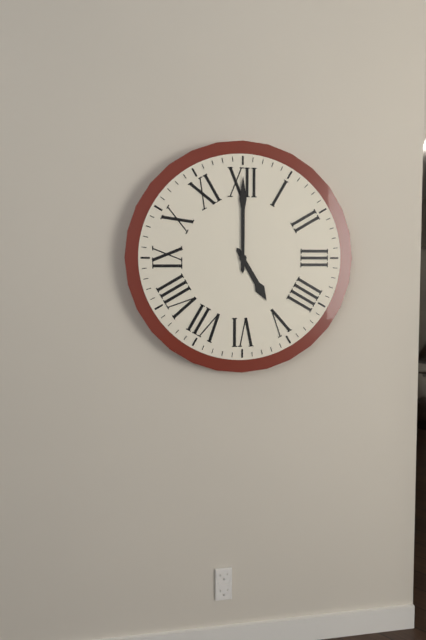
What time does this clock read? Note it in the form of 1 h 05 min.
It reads 5 h 00 min
